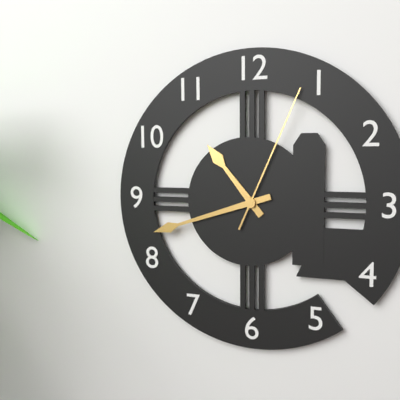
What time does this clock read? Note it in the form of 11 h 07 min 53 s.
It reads 10 h 42 min 04 s
